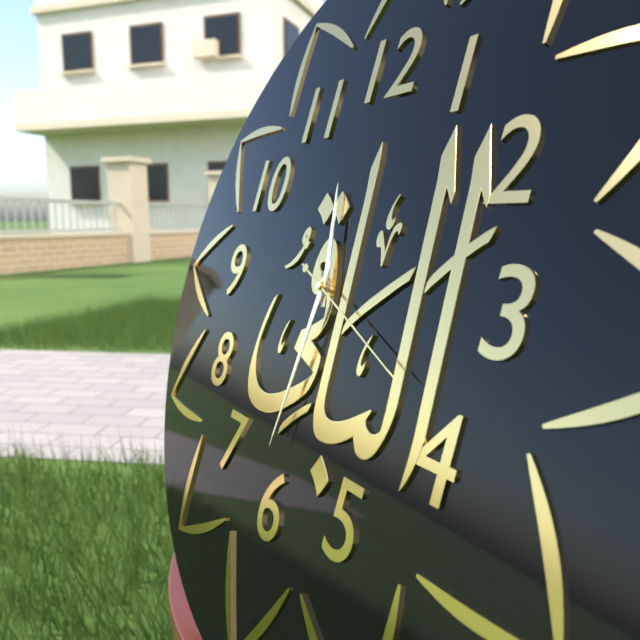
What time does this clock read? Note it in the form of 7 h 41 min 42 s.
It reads 11 h 31 min 19 s
